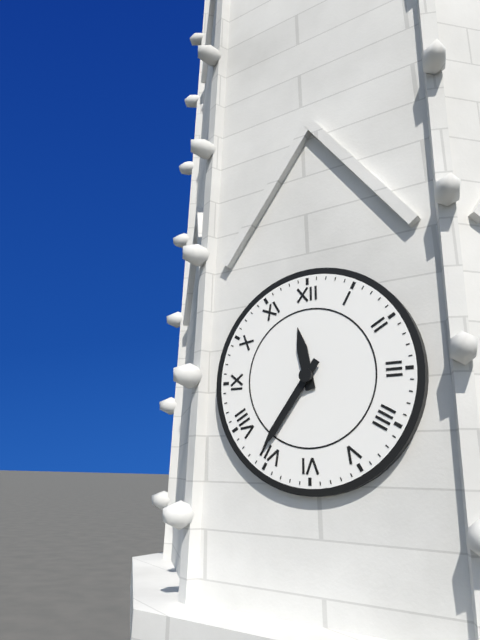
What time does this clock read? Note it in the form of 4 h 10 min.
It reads 11 h 36 min
